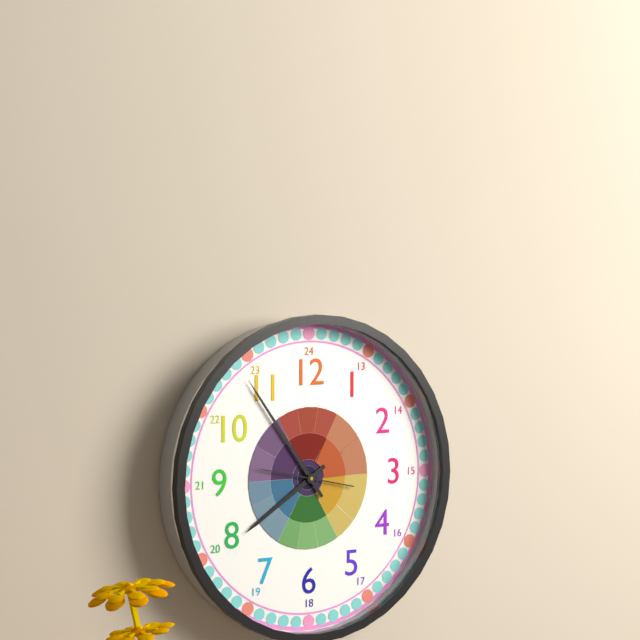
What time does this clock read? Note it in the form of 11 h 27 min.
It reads 7 h 54 min
